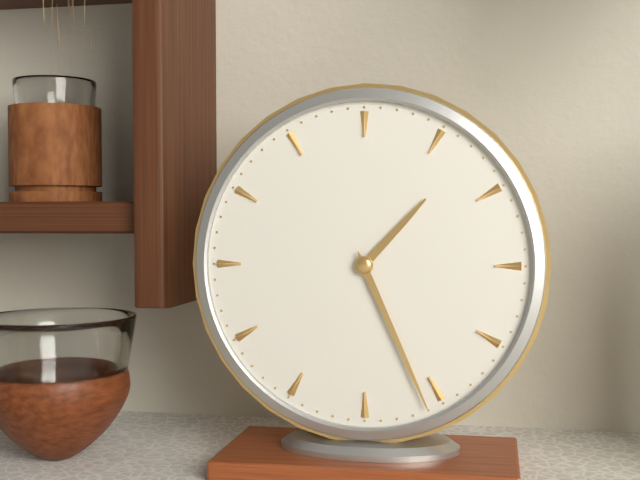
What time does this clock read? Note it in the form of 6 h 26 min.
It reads 1 h 26 min
